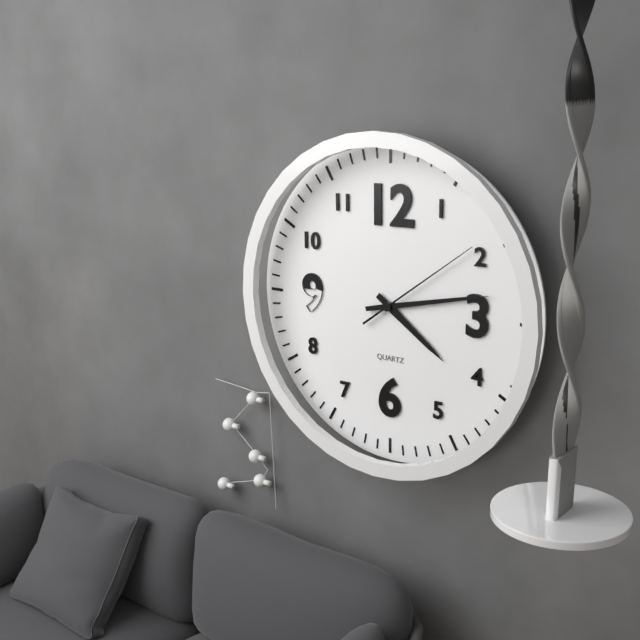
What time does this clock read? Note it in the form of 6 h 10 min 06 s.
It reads 4 h 13 min 09 s
